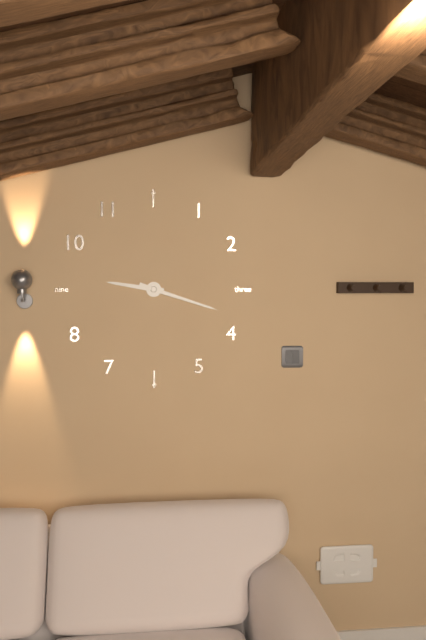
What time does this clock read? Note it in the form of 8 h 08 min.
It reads 9 h 18 min
